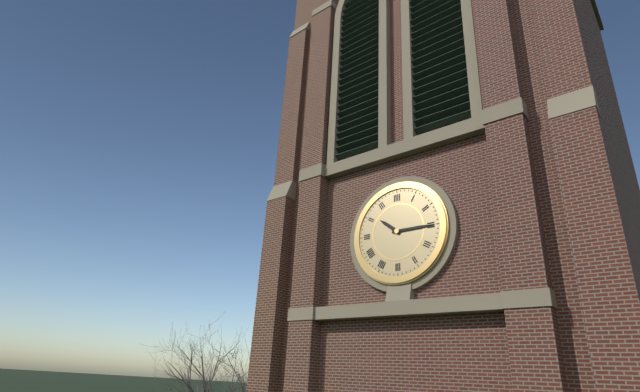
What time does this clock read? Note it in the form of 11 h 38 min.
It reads 10 h 15 min
